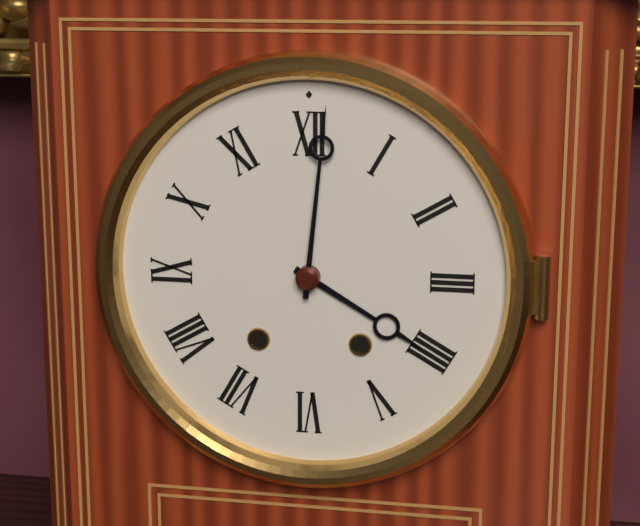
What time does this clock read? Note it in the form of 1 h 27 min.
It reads 4 h 01 min
